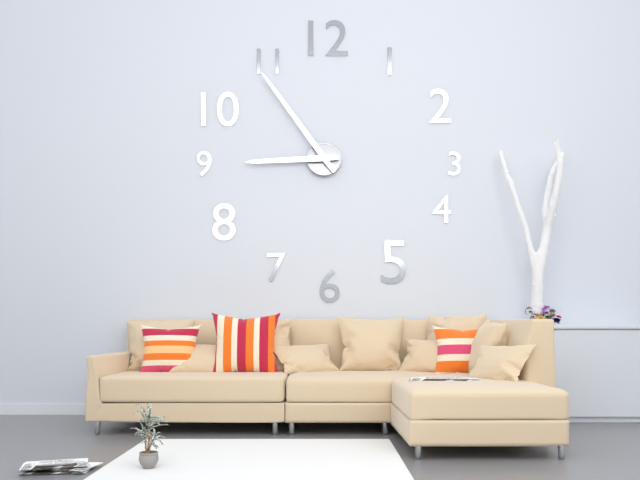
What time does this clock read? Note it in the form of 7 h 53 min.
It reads 8 h 54 min
